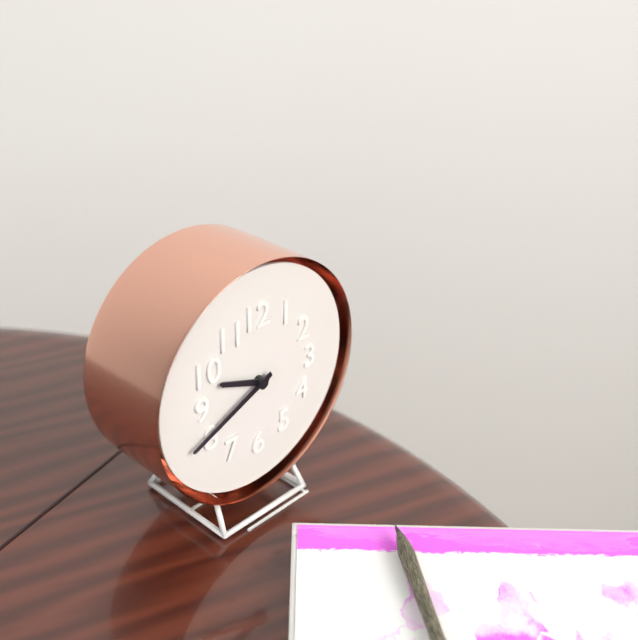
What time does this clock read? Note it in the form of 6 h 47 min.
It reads 9 h 41 min
